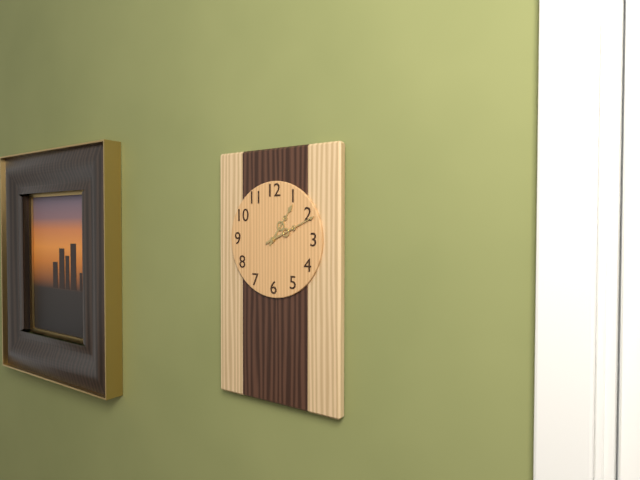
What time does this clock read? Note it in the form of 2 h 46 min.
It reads 1 h 11 min
